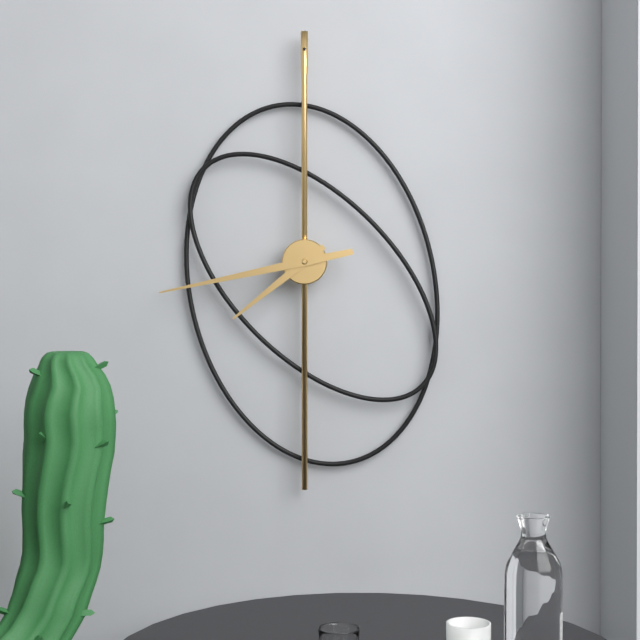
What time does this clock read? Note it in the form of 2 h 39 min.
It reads 7 h 43 min
